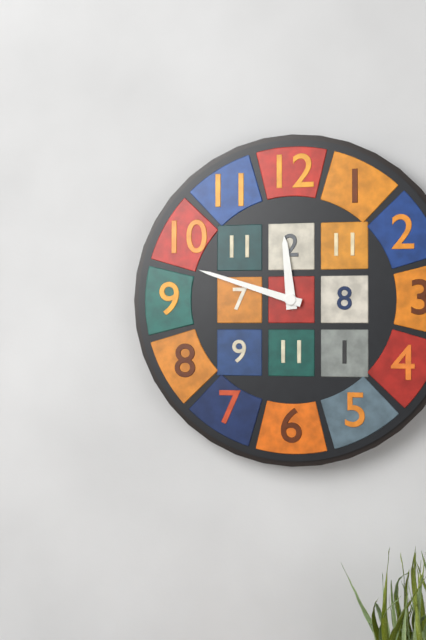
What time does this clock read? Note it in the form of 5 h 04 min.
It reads 11 h 48 min
